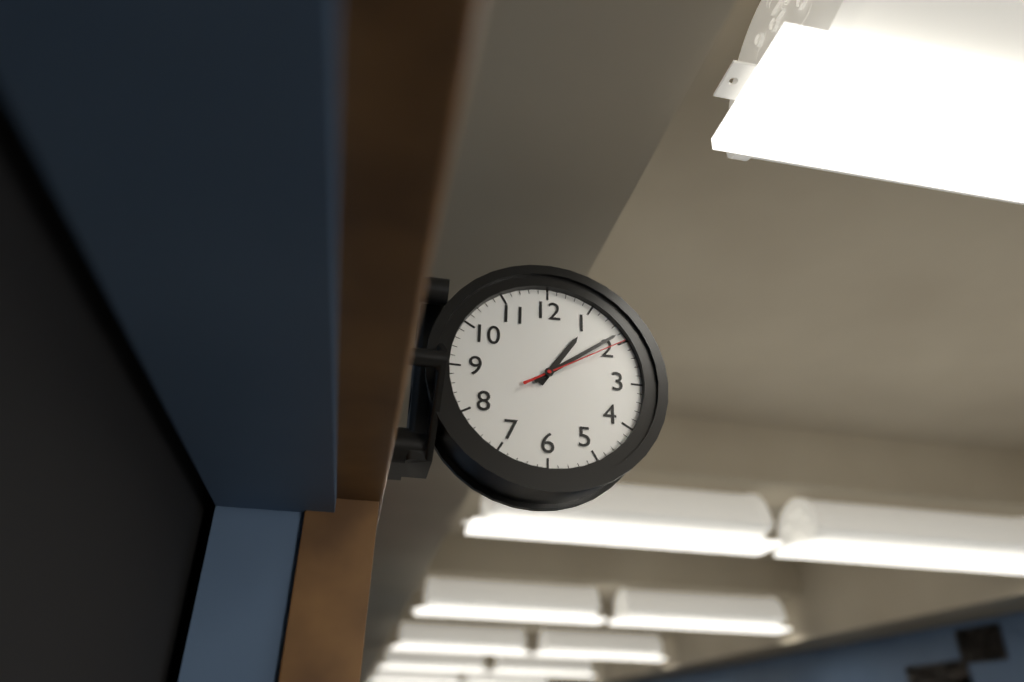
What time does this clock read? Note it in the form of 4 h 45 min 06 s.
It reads 1 h 09 min 10 s
